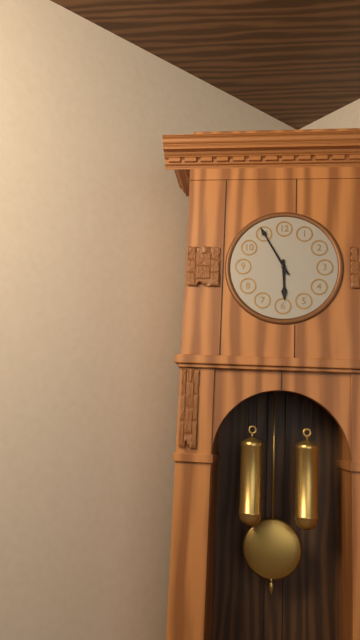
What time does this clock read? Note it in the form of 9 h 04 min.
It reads 5 h 55 min
